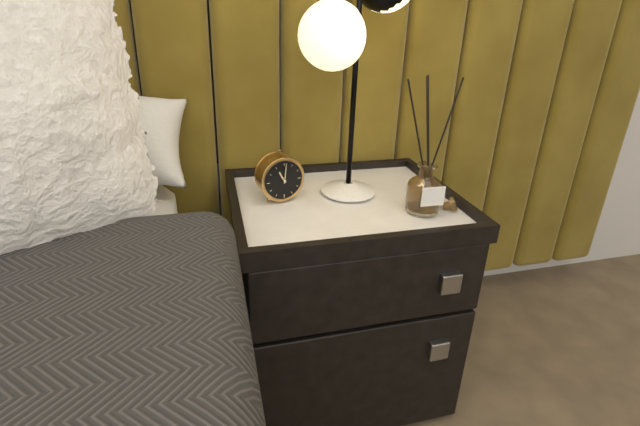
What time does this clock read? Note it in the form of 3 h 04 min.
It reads 11 h 01 min
